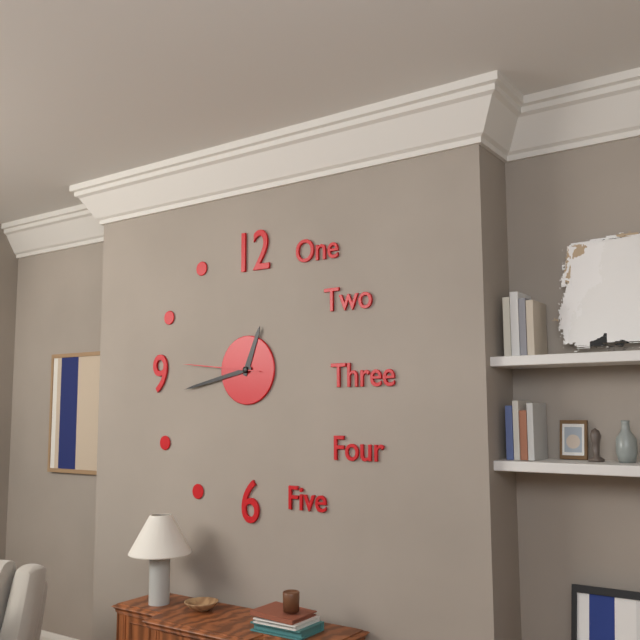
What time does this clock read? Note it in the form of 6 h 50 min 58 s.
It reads 12 h 43 min 46 s
